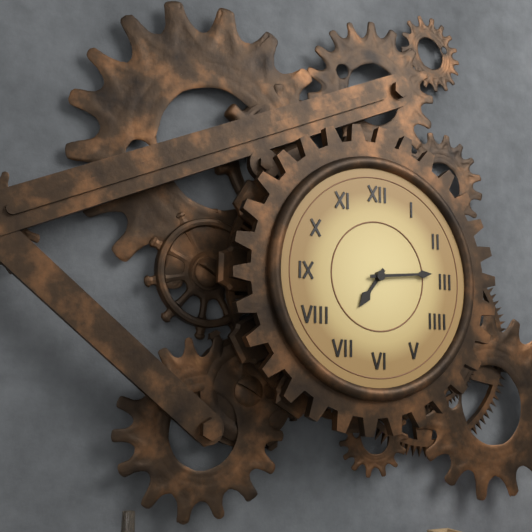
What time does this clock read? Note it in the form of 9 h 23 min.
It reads 7 h 14 min
